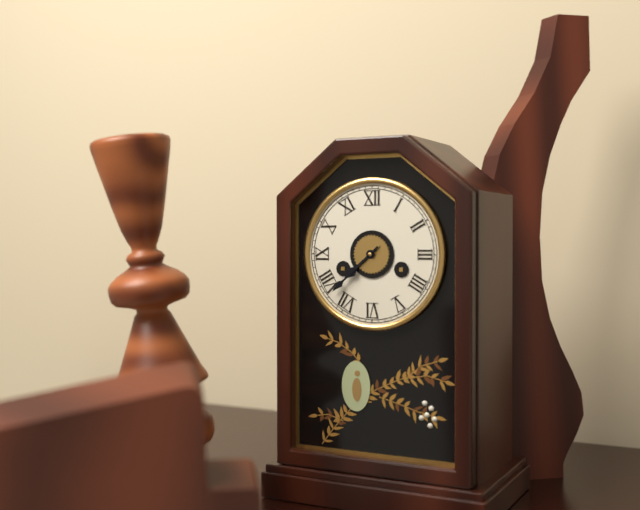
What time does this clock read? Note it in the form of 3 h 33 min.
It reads 7 h 38 min
